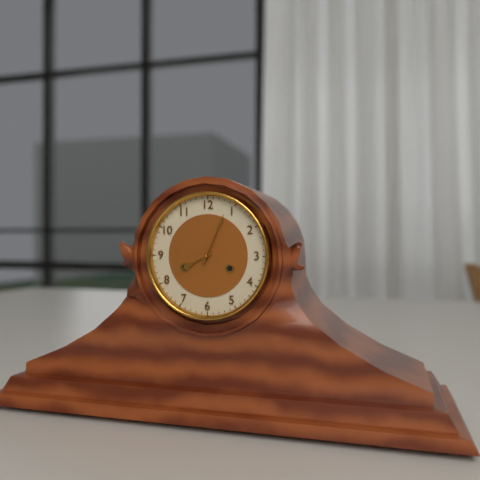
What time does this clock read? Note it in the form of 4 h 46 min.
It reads 8 h 04 min
